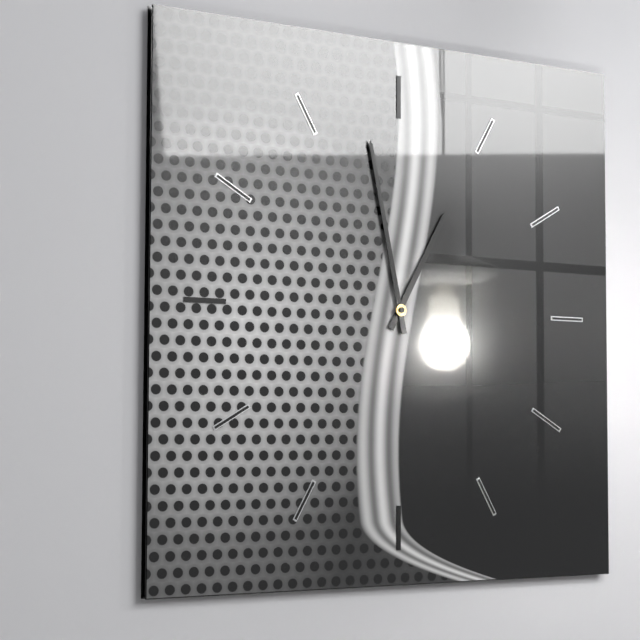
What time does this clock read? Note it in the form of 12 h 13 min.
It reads 12 h 58 min
